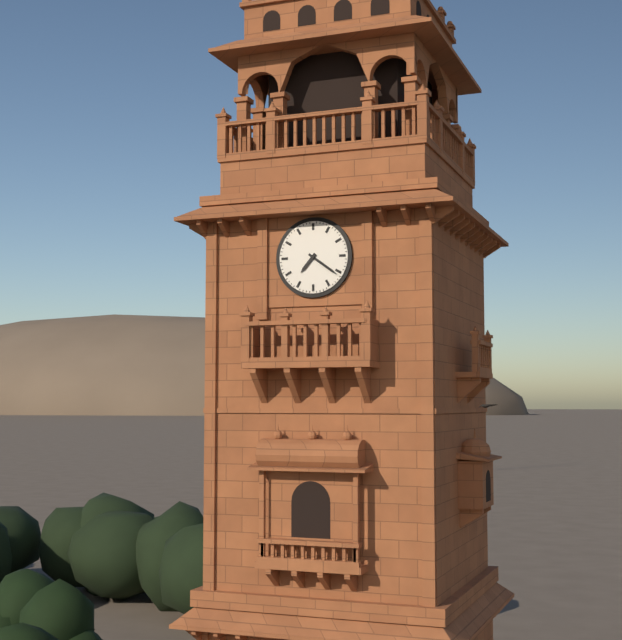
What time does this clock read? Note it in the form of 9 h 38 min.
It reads 7 h 21 min
